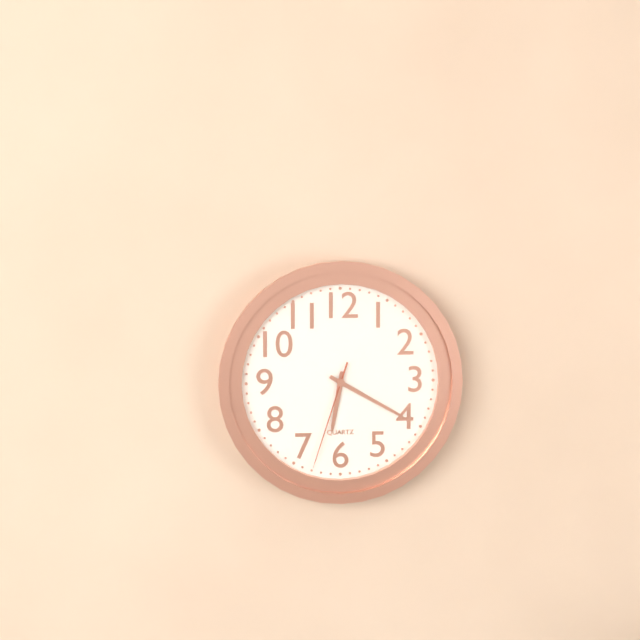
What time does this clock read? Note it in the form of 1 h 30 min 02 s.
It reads 6 h 20 min 33 s
